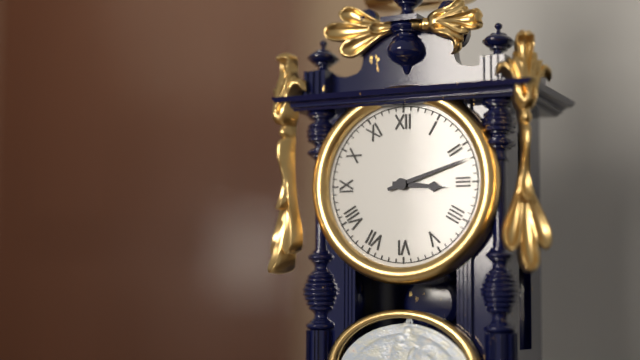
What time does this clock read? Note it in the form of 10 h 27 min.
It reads 3 h 12 min
